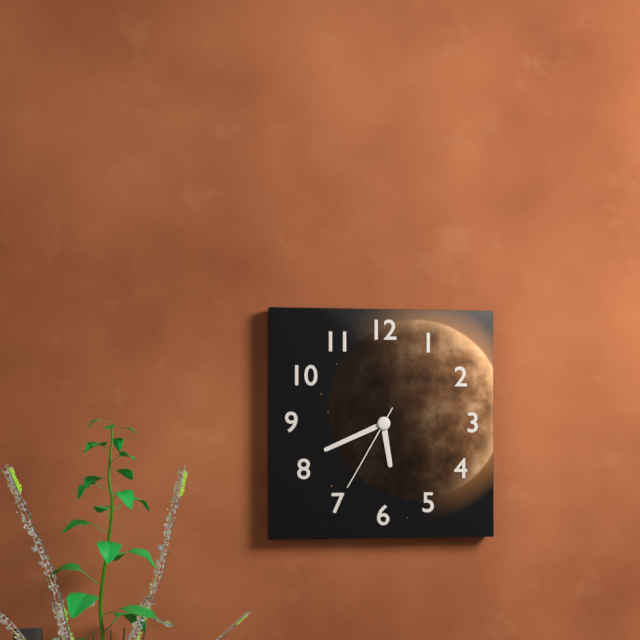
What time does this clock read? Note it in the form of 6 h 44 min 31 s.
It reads 5 h 41 min 35 s
